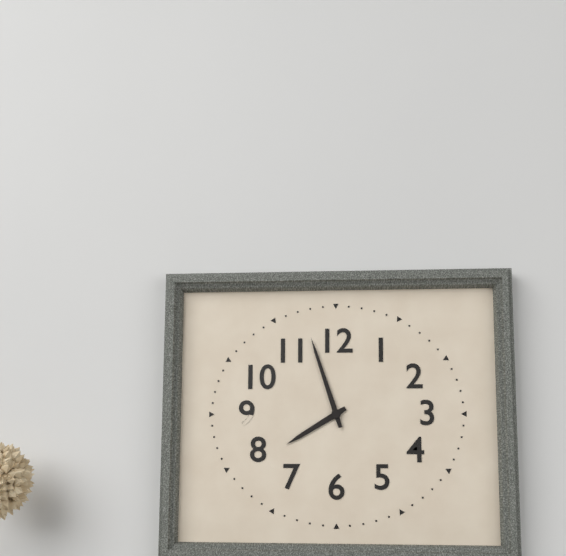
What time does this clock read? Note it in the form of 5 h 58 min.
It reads 7 h 57 min
